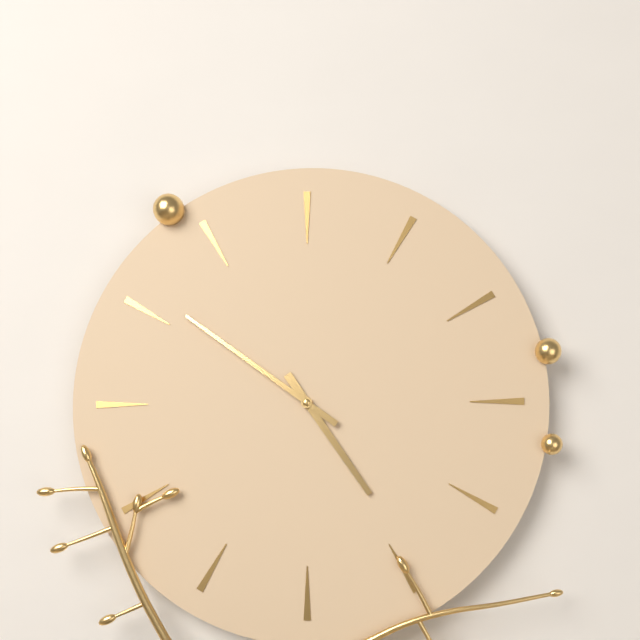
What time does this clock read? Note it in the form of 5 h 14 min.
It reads 4 h 51 min
